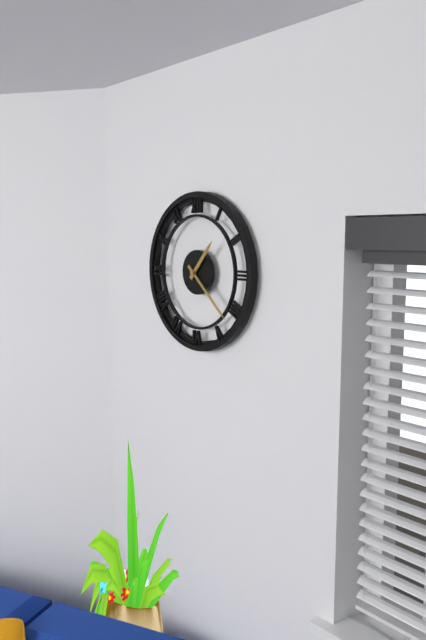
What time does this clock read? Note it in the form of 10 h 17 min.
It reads 1 h 22 min
